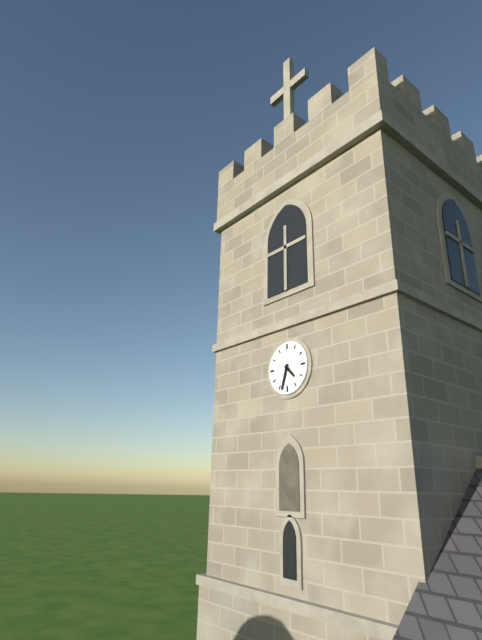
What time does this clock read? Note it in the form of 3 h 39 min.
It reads 4 h 33 min
